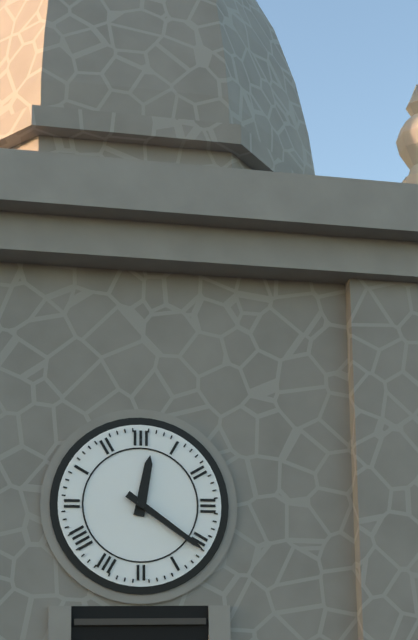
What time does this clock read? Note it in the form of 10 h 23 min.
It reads 12 h 21 min
